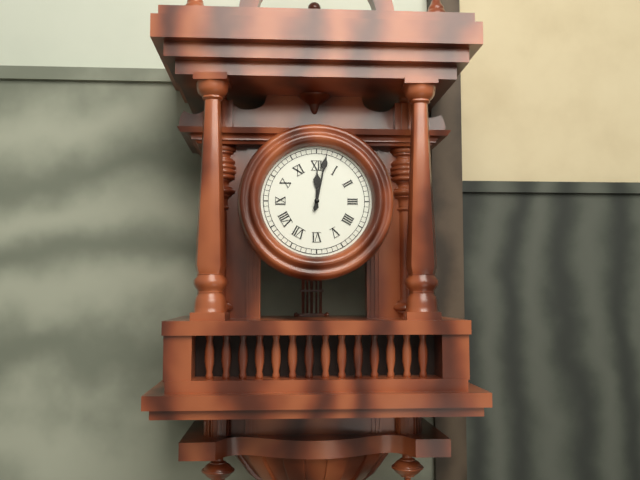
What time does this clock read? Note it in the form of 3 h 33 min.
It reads 12 h 02 min
